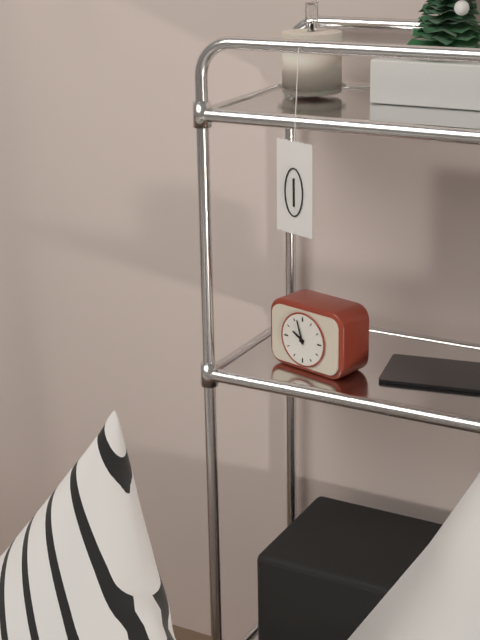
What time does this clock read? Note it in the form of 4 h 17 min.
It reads 9 h 57 min
